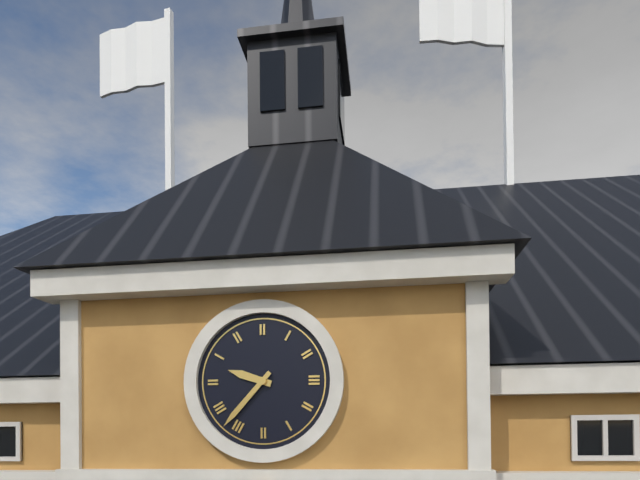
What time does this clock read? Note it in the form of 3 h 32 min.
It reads 9 h 37 min
